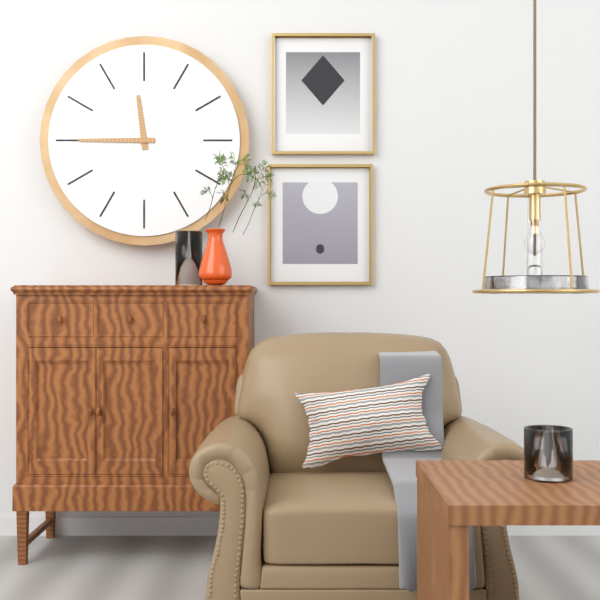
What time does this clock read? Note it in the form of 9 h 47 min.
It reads 11 h 45 min
